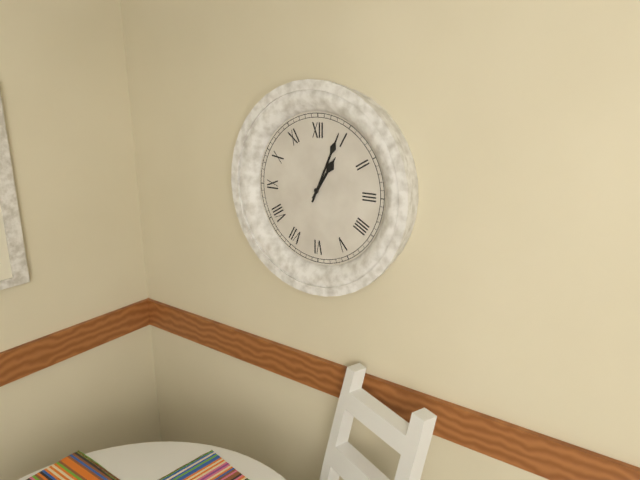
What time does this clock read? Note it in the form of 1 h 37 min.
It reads 1 h 04 min
